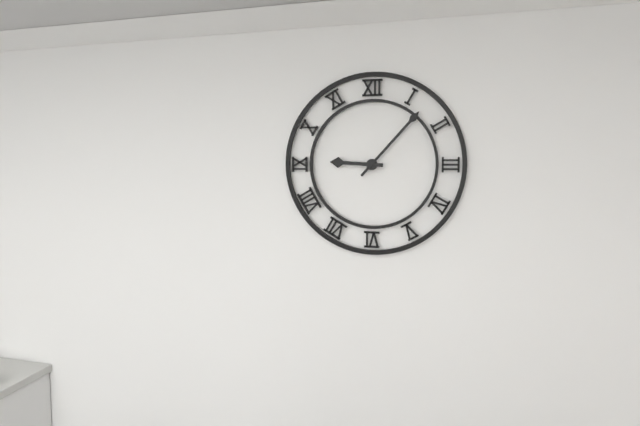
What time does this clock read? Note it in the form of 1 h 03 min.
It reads 9 h 07 min
